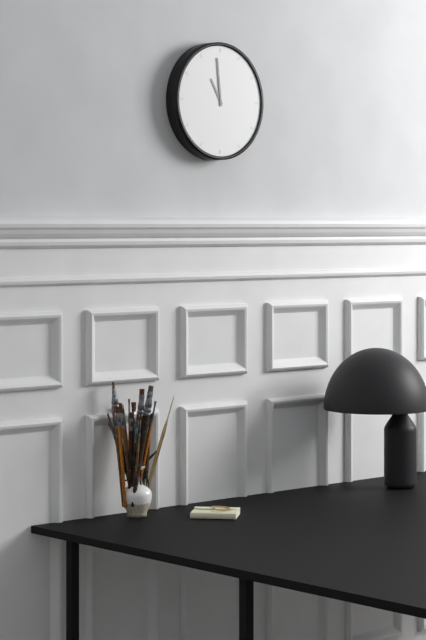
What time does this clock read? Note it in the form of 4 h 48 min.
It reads 10 h 59 min
